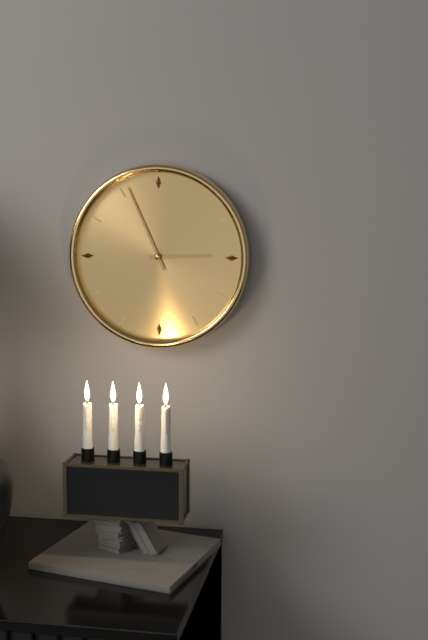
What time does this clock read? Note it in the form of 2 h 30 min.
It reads 2 h 56 min
